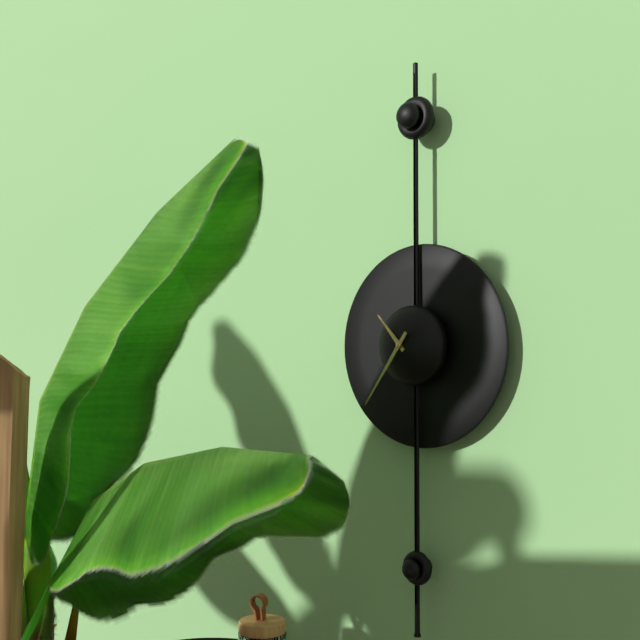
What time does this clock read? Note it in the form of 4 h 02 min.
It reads 10 h 36 min
